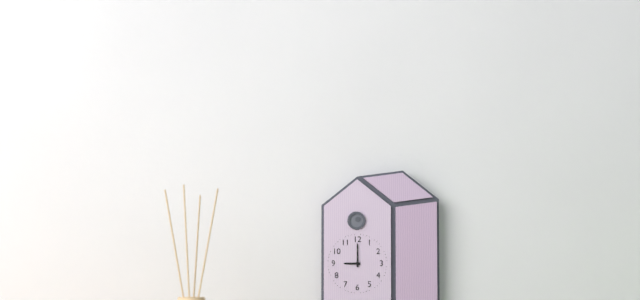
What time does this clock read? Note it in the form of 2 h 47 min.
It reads 9 h 00 min
